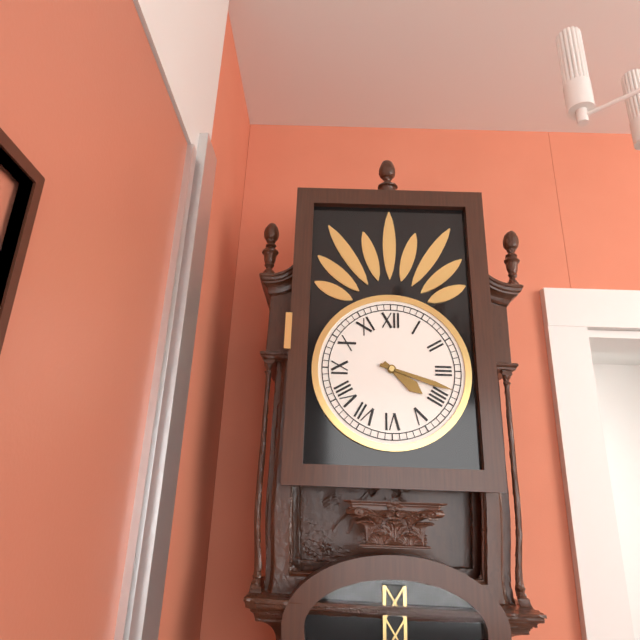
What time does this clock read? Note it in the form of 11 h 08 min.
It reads 4 h 18 min
